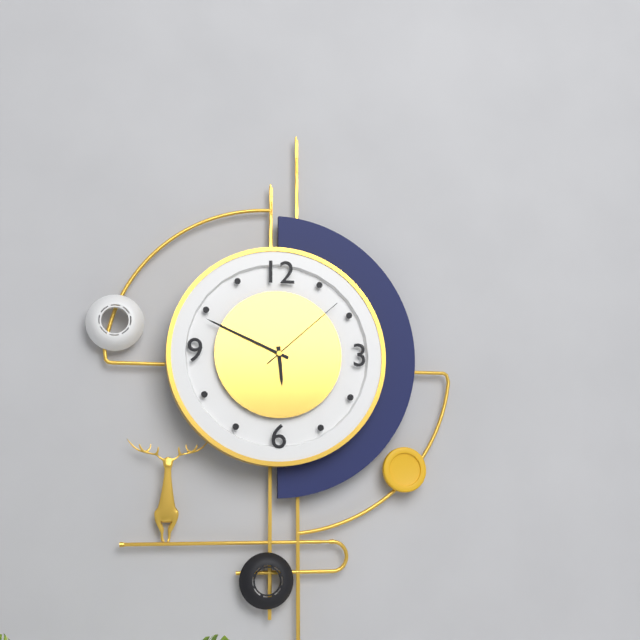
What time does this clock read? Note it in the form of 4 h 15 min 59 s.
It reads 5 h 49 min 08 s
